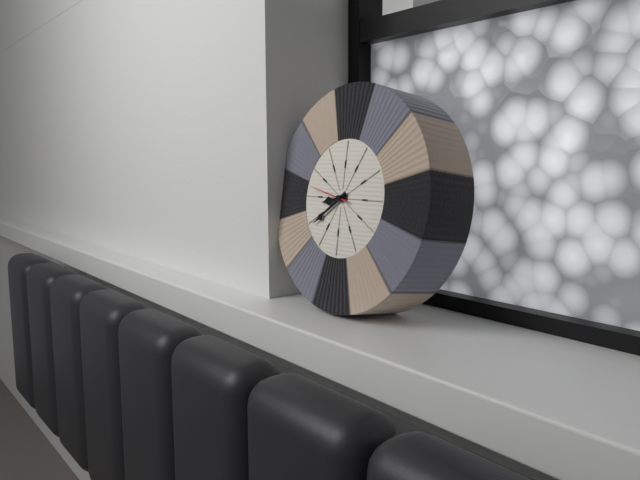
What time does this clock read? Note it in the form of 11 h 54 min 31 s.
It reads 8 h 39 min 47 s
